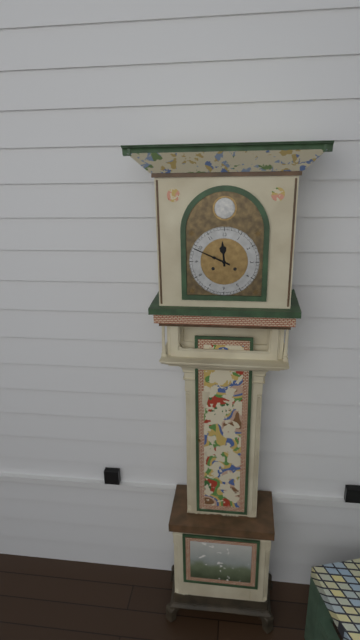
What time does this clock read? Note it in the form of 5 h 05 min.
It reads 11 h 49 min
